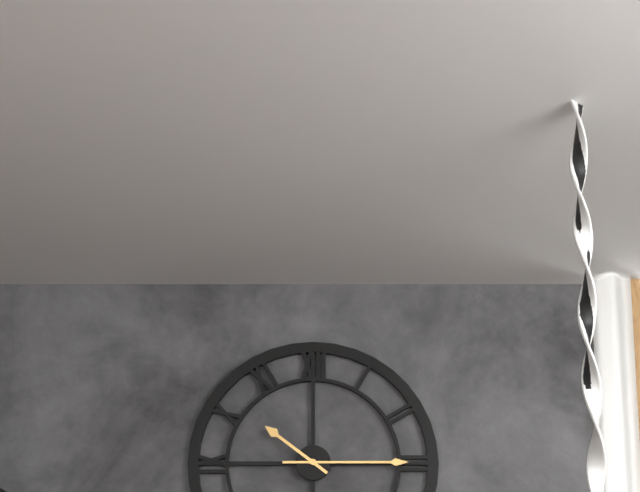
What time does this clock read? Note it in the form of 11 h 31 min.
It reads 10 h 15 min
